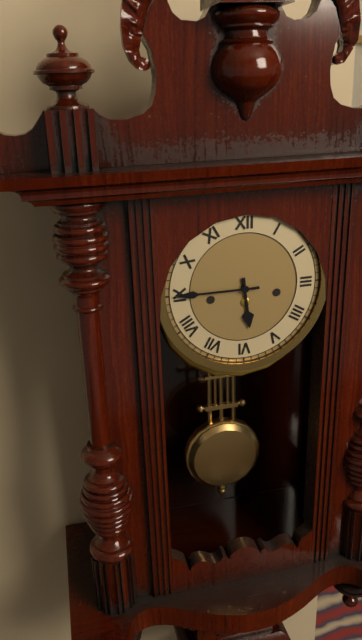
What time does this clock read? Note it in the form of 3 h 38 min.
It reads 5 h 45 min
